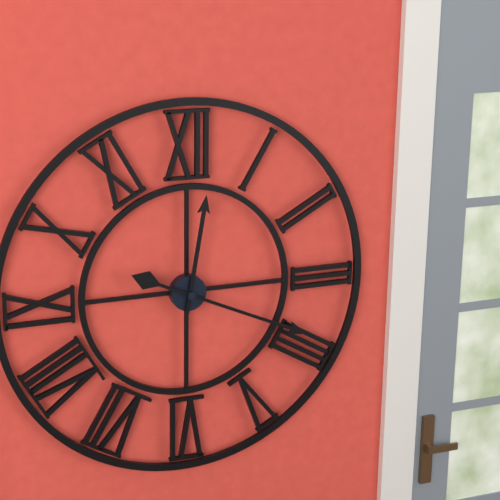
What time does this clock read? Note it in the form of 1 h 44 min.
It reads 12 h 19 min
